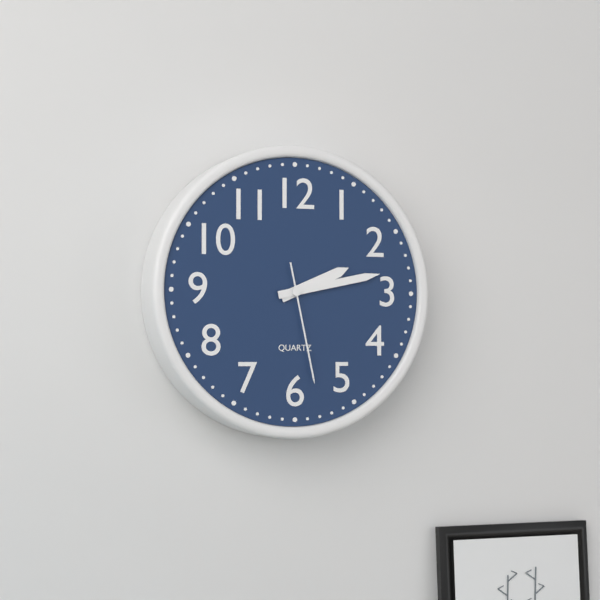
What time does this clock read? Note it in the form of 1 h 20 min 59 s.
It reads 2 h 13 min 28 s
